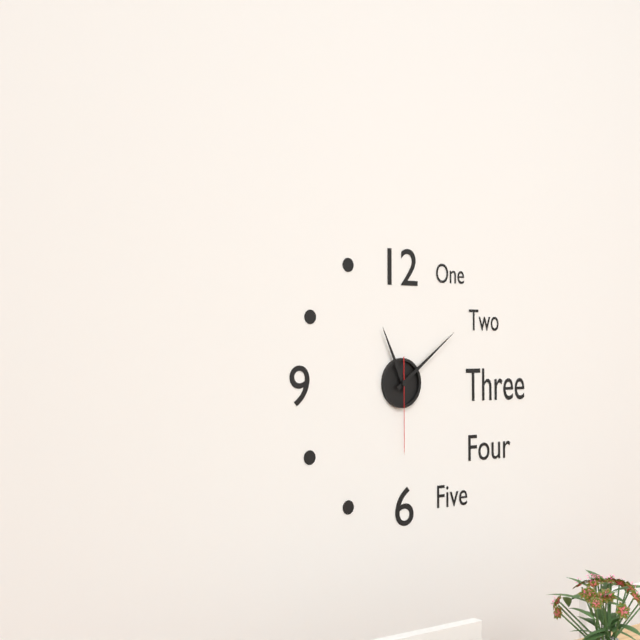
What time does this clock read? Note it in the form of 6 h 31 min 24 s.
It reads 11 h 09 min 30 s
